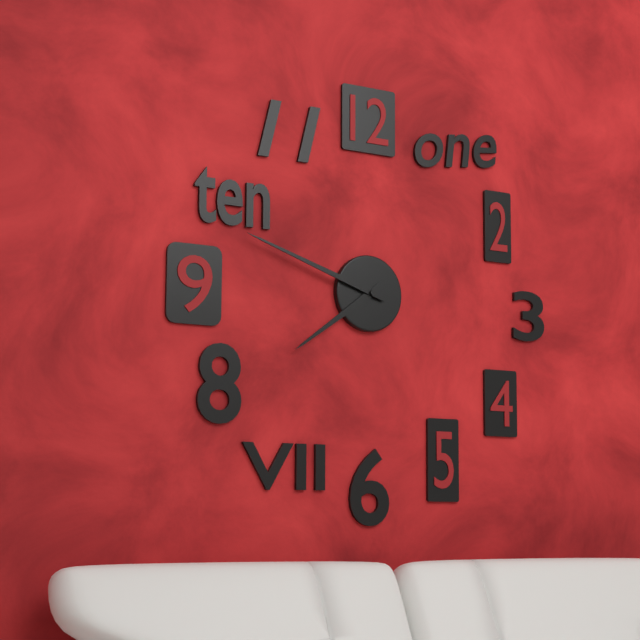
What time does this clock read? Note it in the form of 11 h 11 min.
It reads 7 h 48 min
